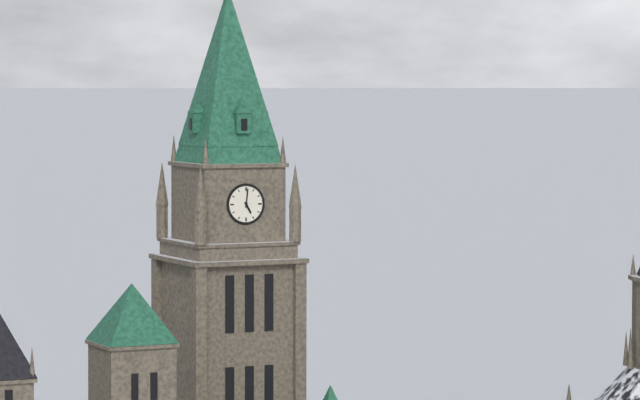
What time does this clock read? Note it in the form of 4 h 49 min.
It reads 5 h 01 min
